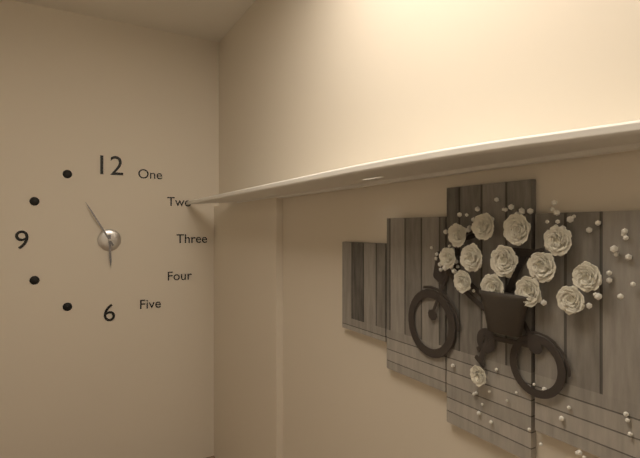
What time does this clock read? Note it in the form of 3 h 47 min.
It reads 5 h 55 min
